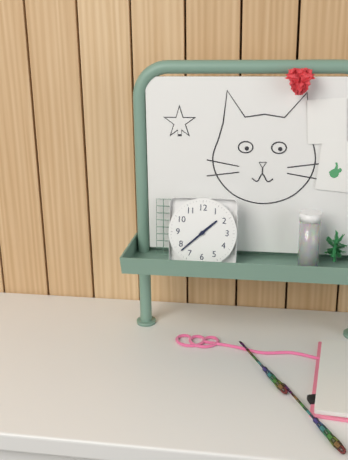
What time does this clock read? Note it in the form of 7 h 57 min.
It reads 1 h 38 min
